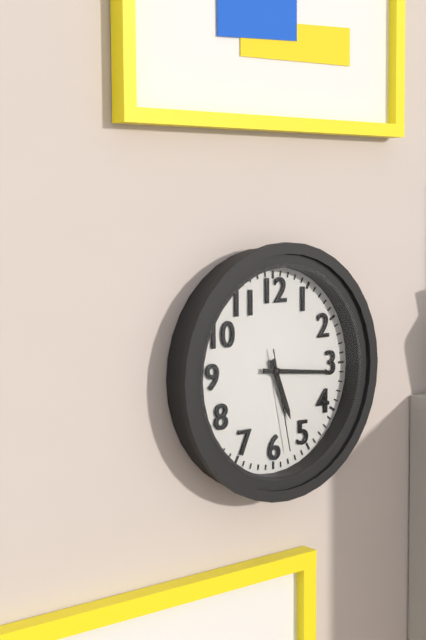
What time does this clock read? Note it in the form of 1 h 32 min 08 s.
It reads 5 h 16 min 28 s
